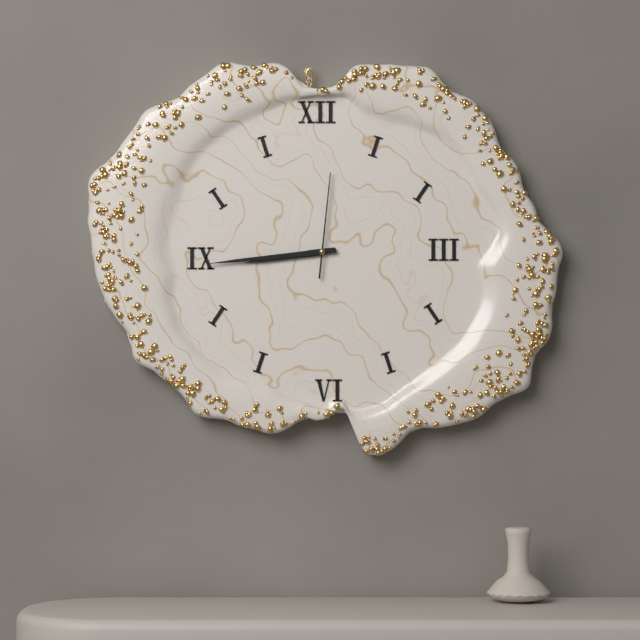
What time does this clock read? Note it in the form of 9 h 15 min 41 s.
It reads 8 h 44 min 01 s
